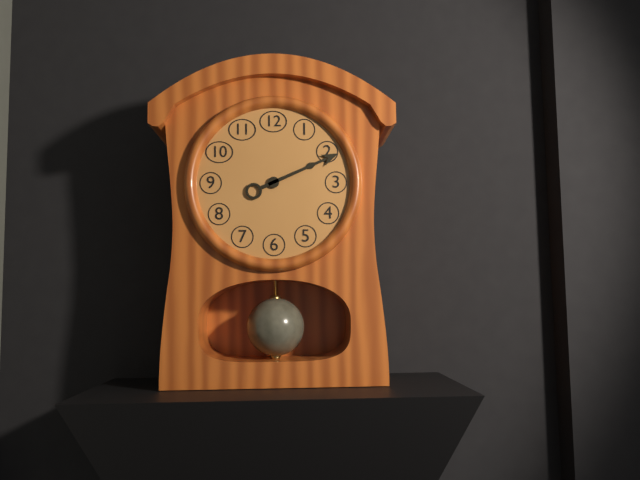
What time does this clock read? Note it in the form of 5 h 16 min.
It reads 2 h 11 min
